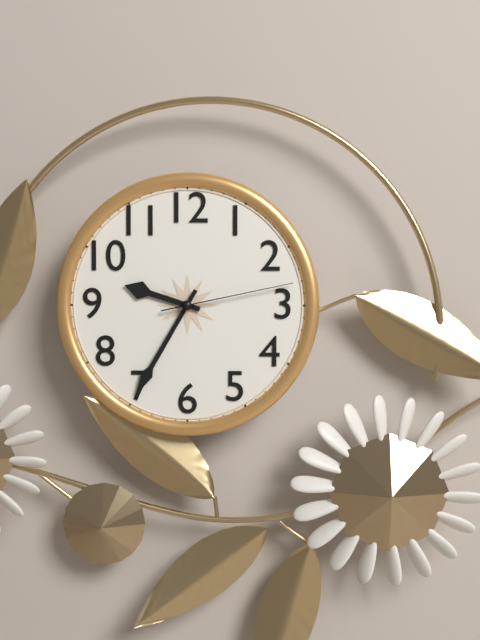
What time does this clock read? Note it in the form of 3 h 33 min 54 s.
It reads 9 h 35 min 13 s
